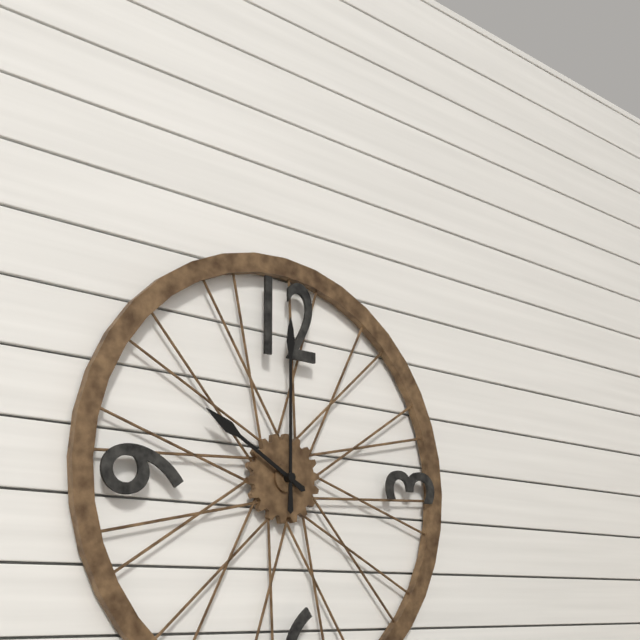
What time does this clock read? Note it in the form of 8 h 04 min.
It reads 10 h 00 min
